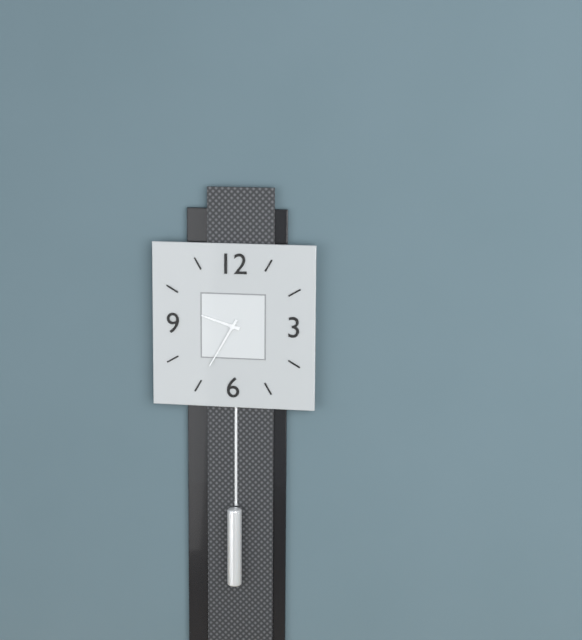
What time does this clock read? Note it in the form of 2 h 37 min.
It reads 9 h 35 min
